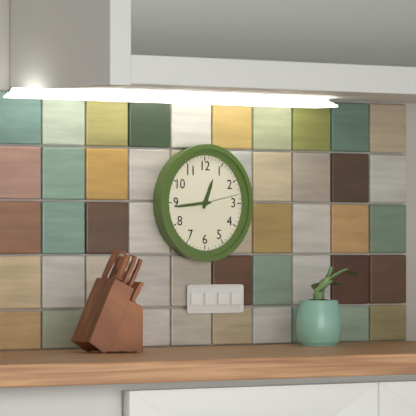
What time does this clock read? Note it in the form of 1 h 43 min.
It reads 12 h 44 min
